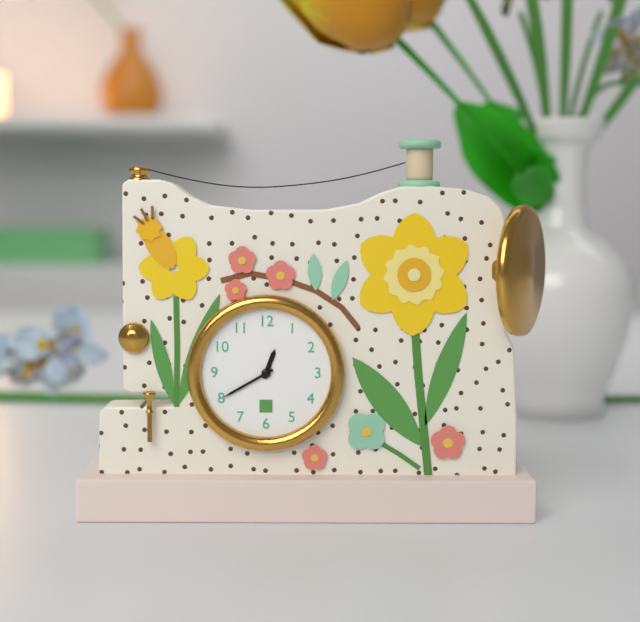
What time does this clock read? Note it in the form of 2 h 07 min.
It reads 12 h 40 min
